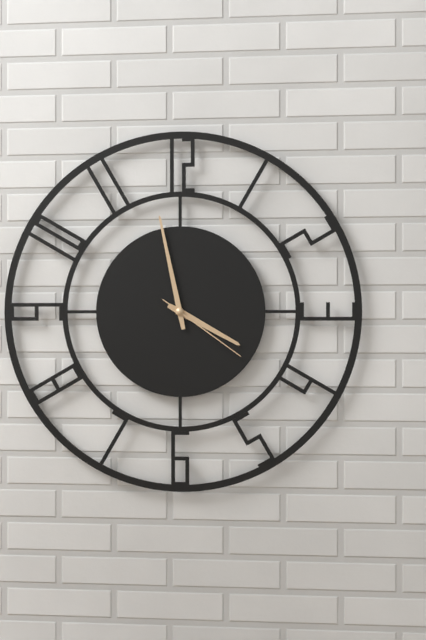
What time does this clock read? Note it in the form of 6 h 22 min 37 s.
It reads 3 h 58 min 21 s
